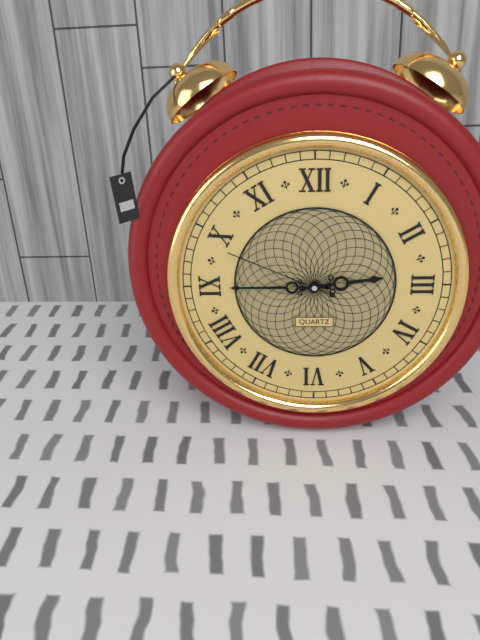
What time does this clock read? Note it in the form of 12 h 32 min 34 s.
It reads 2 h 45 min 49 s
